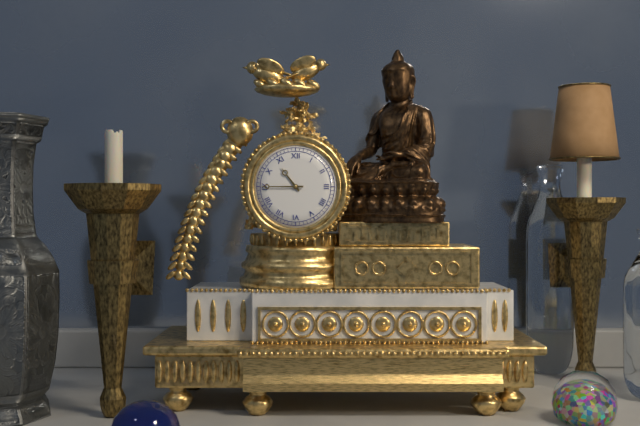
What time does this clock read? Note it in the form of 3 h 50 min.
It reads 10 h 45 min
